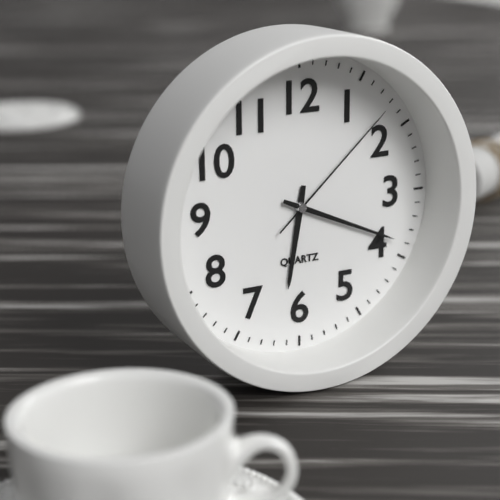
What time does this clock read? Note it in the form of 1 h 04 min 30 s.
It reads 6 h 19 min 08 s
